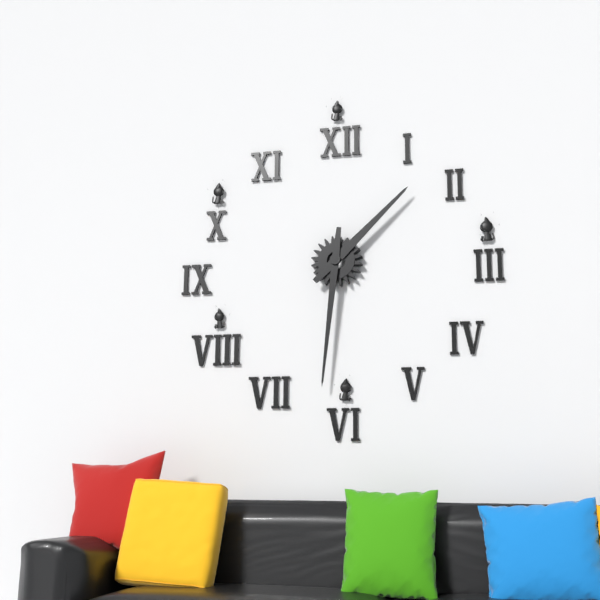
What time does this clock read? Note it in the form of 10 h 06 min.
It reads 1 h 31 min
